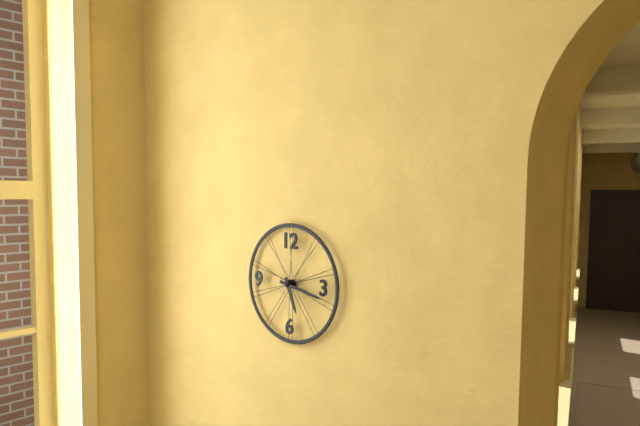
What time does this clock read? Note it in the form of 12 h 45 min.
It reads 5 h 17 min
